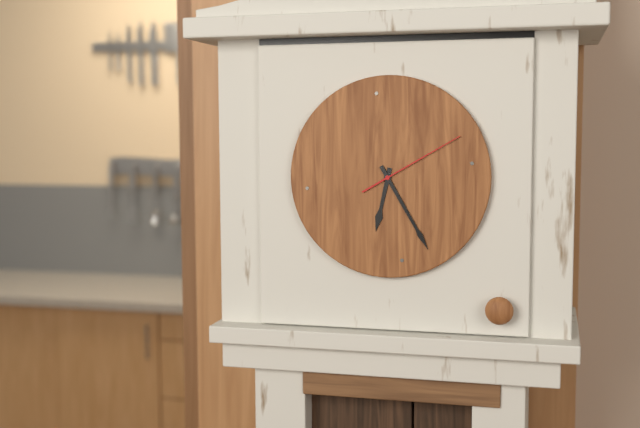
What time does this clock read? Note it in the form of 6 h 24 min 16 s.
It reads 6 h 25 min 10 s
